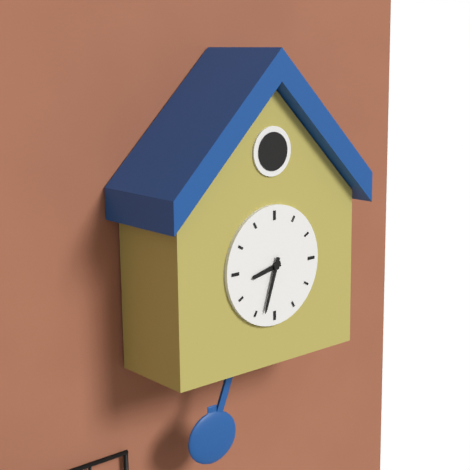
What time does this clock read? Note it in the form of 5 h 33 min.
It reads 8 h 33 min
